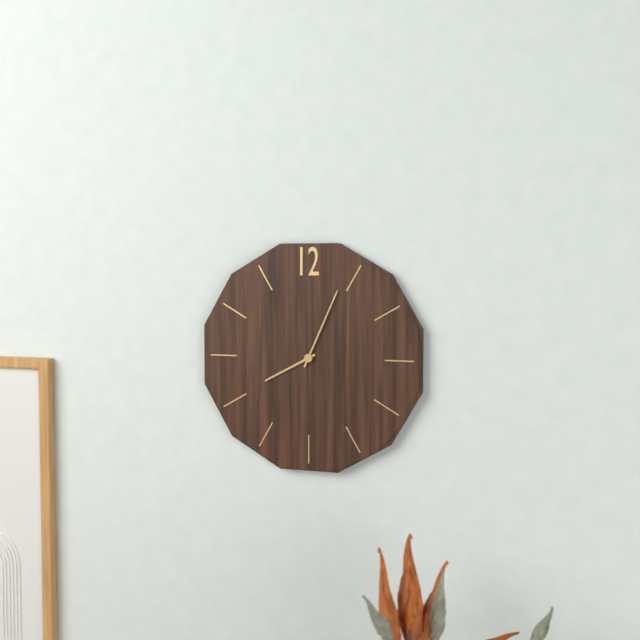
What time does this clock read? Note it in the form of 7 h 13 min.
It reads 8 h 04 min
